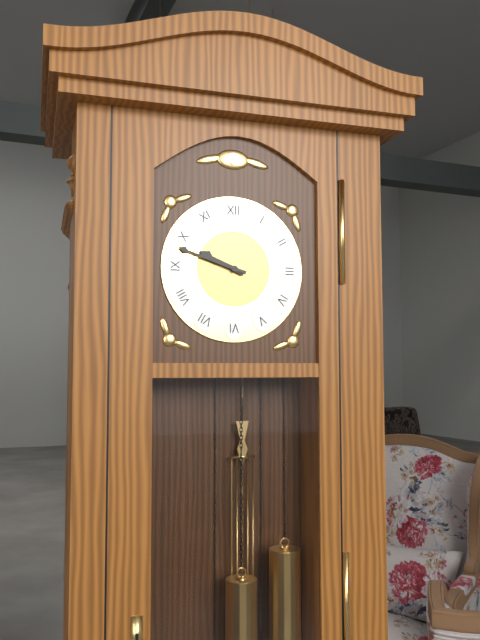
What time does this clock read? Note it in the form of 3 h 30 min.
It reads 9 h 48 min
